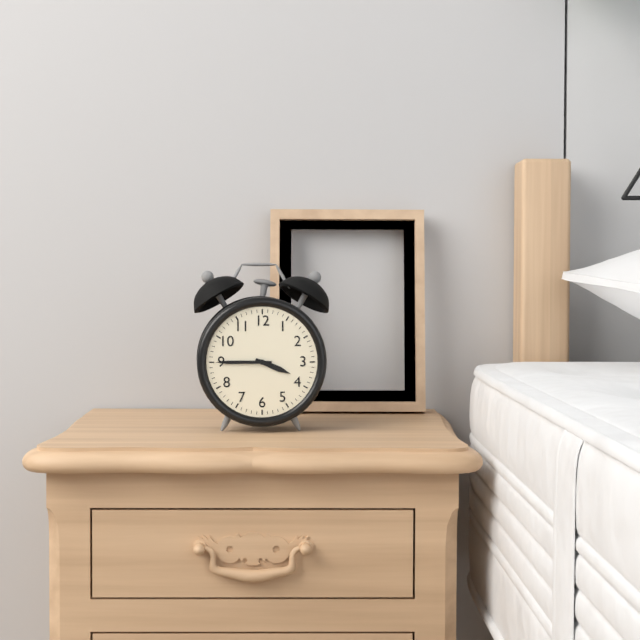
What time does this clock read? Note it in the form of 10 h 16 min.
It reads 3 h 45 min
